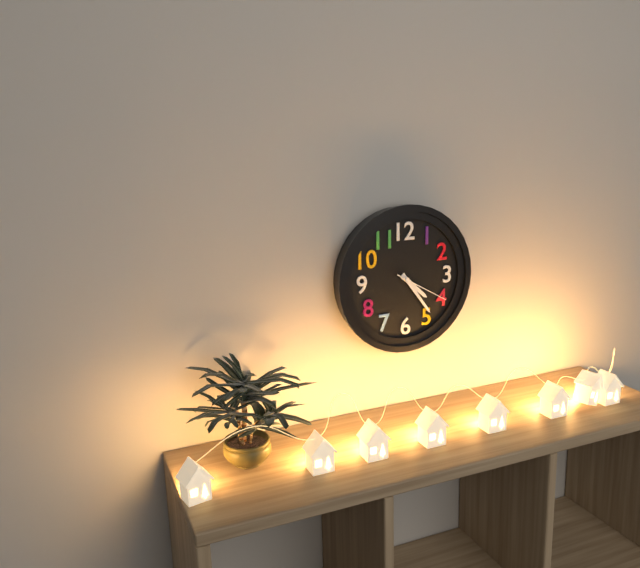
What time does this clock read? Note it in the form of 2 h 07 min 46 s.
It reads 4 h 24 min 20 s
